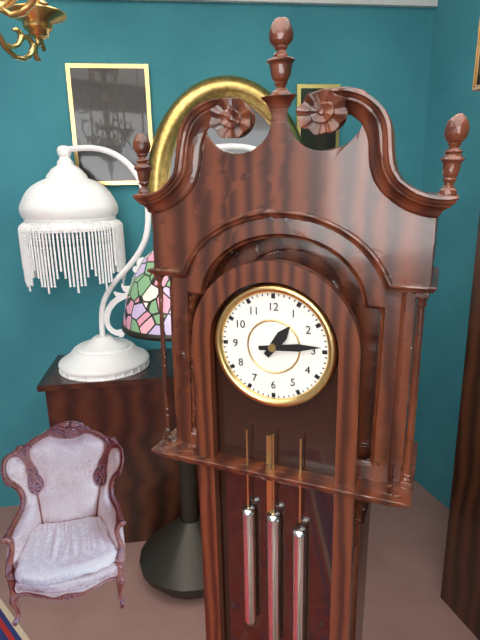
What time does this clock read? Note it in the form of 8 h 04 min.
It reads 1 h 14 min
